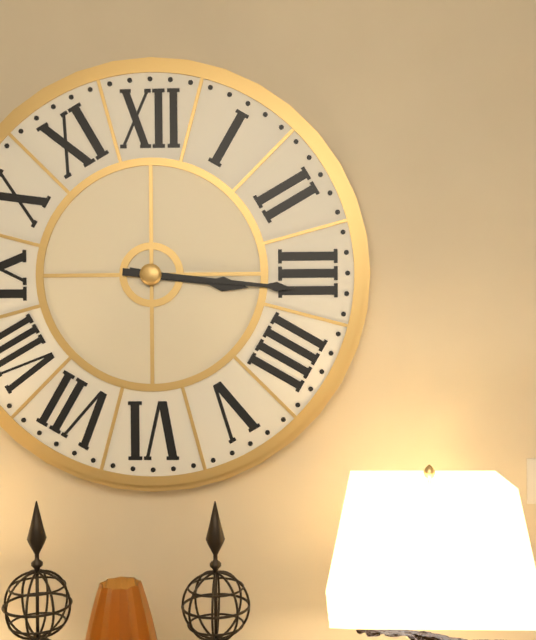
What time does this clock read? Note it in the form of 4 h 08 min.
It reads 3 h 16 min
